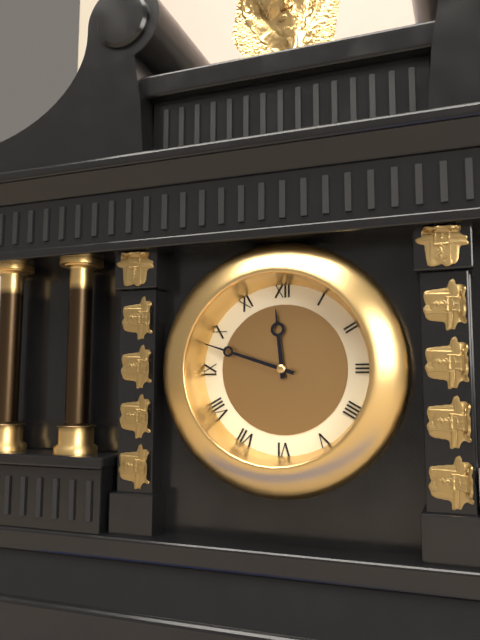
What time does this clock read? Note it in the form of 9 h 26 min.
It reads 11 h 48 min
